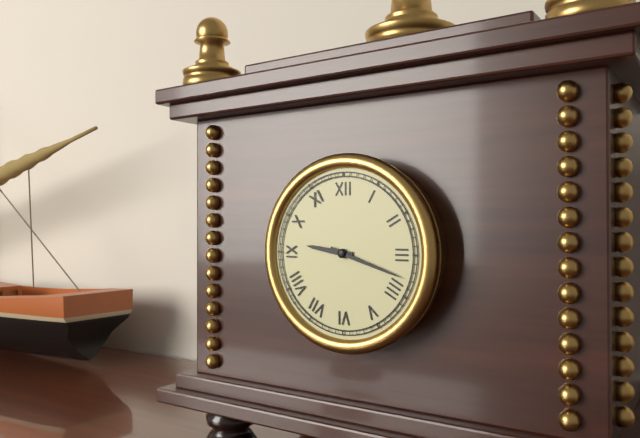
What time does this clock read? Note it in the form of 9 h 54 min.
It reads 9 h 18 min
